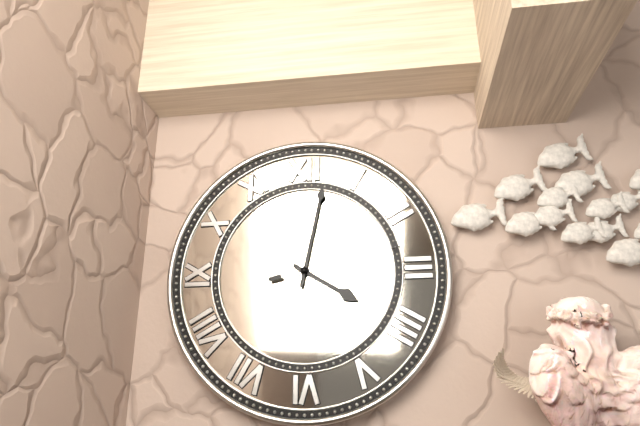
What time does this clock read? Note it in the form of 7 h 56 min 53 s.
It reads 4 h 02 min 13 s
